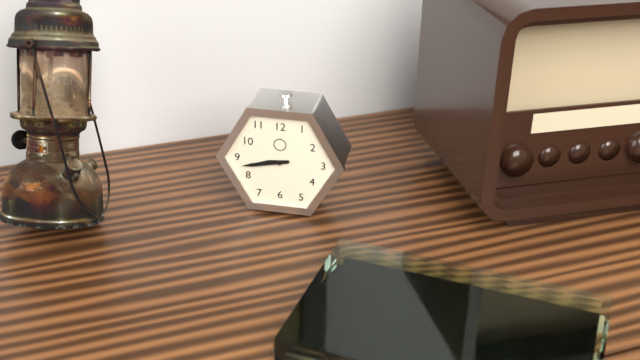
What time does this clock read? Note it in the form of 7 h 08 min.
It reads 8 h 43 min
